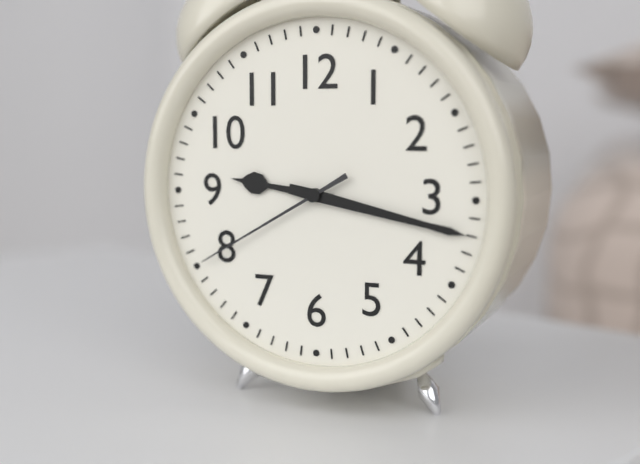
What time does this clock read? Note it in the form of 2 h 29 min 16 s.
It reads 9 h 17 min 40 s
